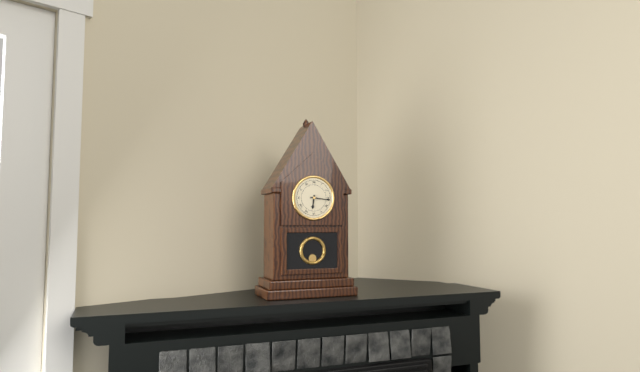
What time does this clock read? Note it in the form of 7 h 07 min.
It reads 6 h 16 min
